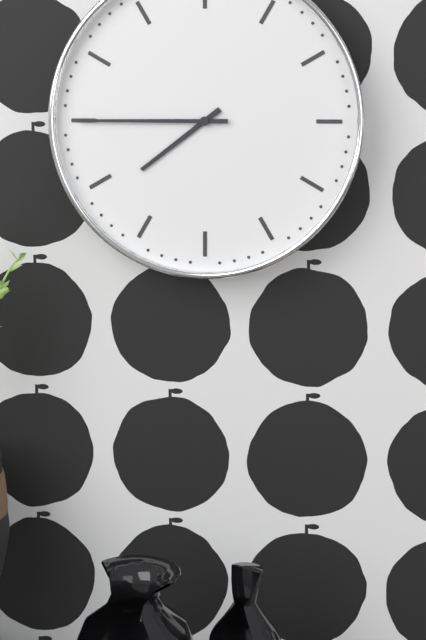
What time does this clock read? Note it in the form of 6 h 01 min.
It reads 7 h 45 min
